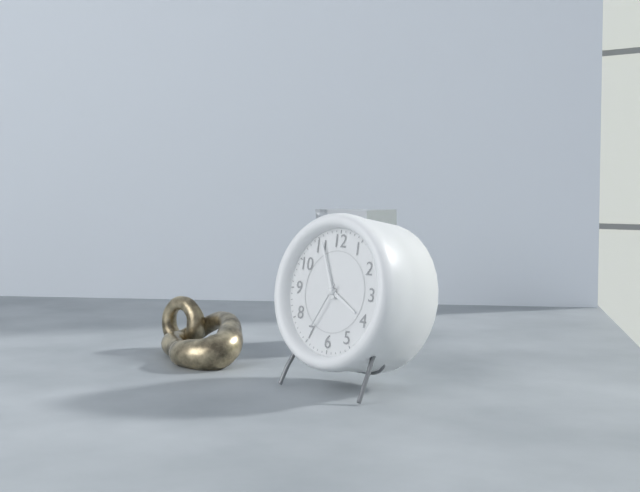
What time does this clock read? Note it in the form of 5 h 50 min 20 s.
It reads 3 h 56 min 35 s
